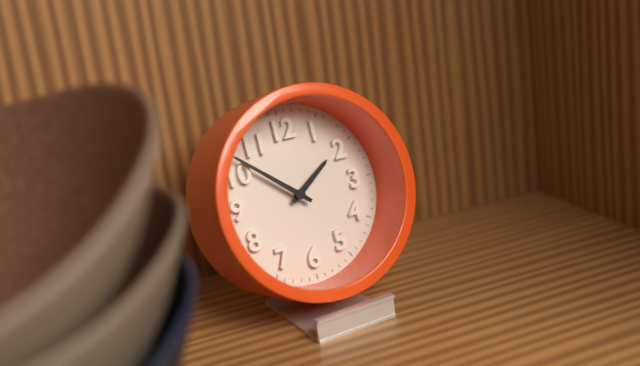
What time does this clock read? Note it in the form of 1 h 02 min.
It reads 1 h 52 min
